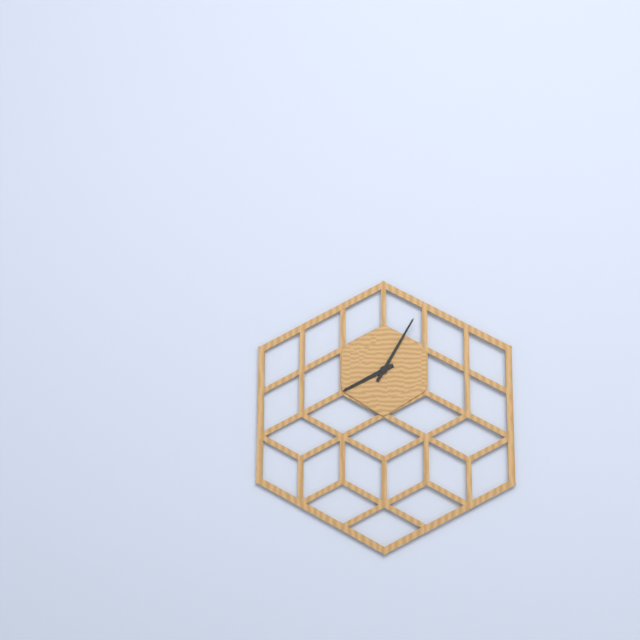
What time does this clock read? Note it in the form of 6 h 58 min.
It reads 8 h 05 min
